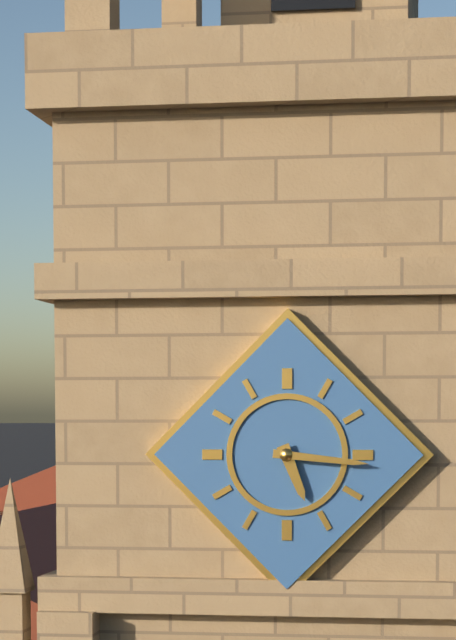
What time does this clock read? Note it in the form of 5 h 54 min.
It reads 5 h 16 min
